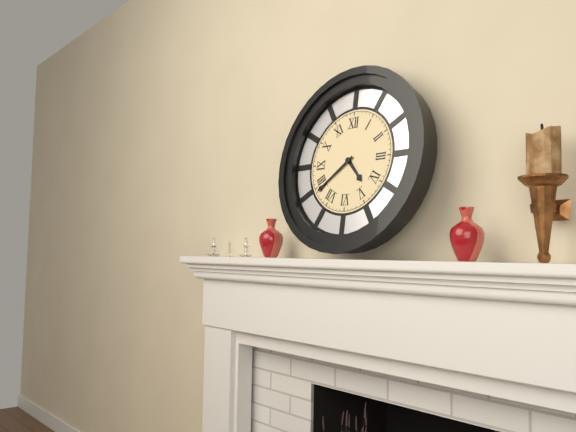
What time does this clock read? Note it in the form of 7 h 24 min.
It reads 4 h 39 min
